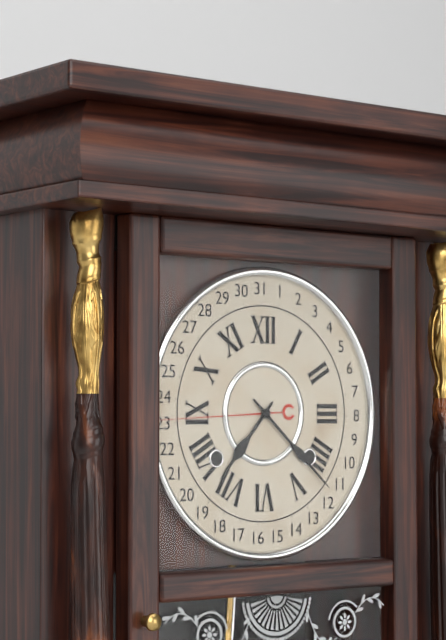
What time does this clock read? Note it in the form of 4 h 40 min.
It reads 7 h 22 min
